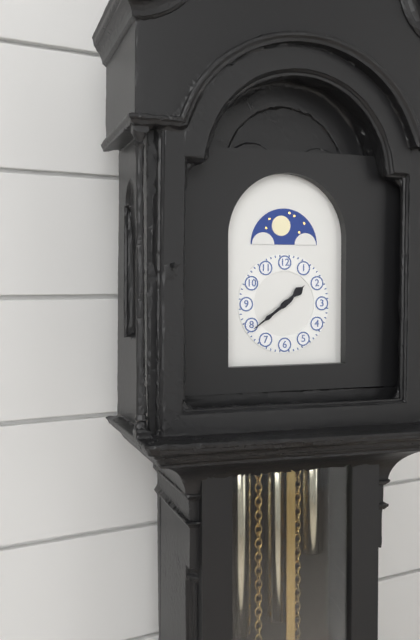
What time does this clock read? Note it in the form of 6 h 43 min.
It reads 1 h 39 min
